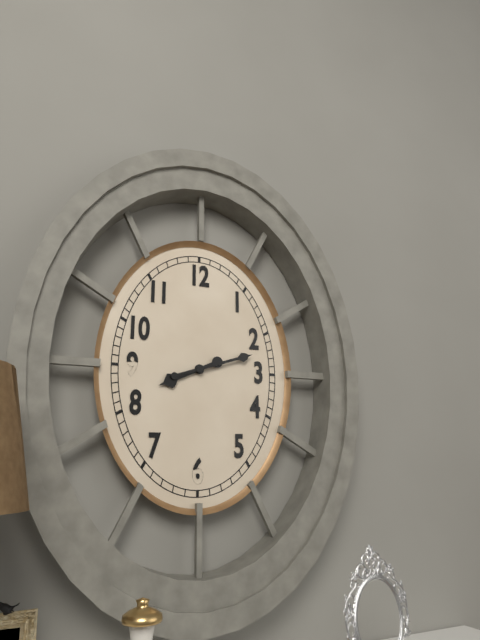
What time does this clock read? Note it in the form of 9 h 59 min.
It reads 8 h 12 min
